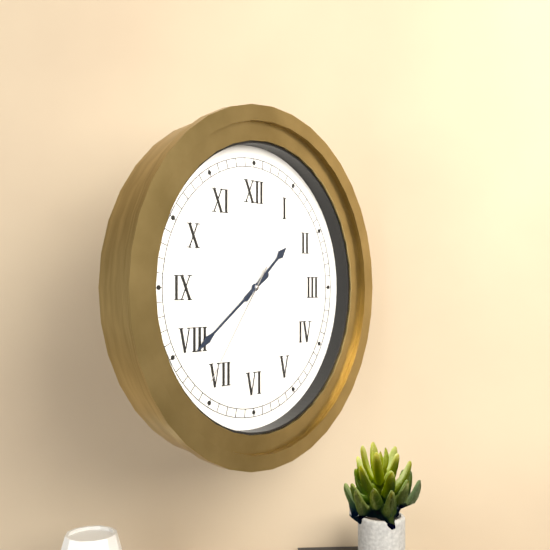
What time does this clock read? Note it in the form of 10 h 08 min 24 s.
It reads 1 h 39 min 36 s
